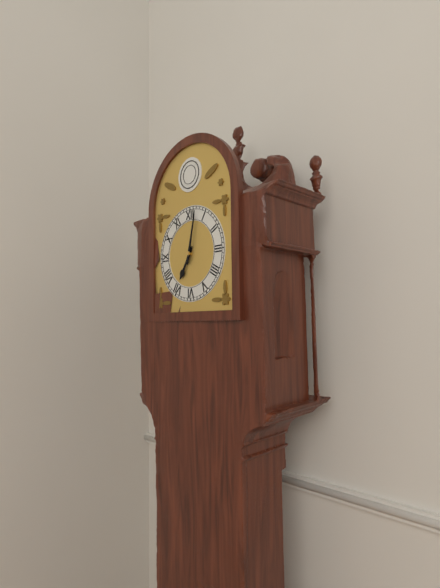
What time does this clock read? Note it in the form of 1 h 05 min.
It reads 7 h 02 min
